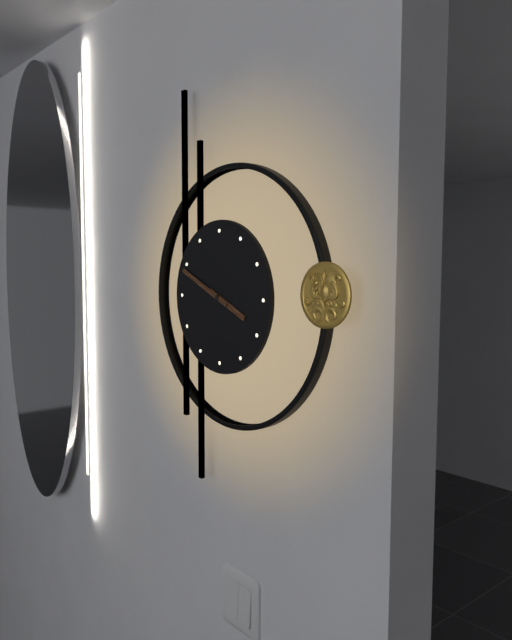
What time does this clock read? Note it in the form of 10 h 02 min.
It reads 3 h 49 min
